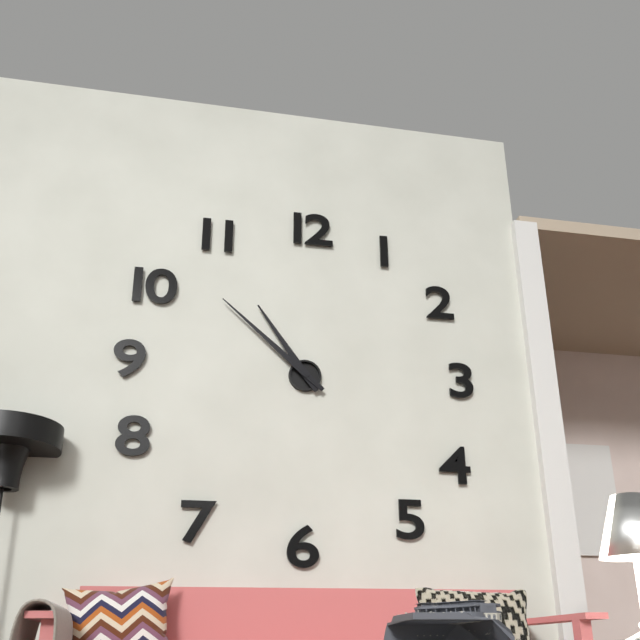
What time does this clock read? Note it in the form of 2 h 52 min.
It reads 10 h 52 min
